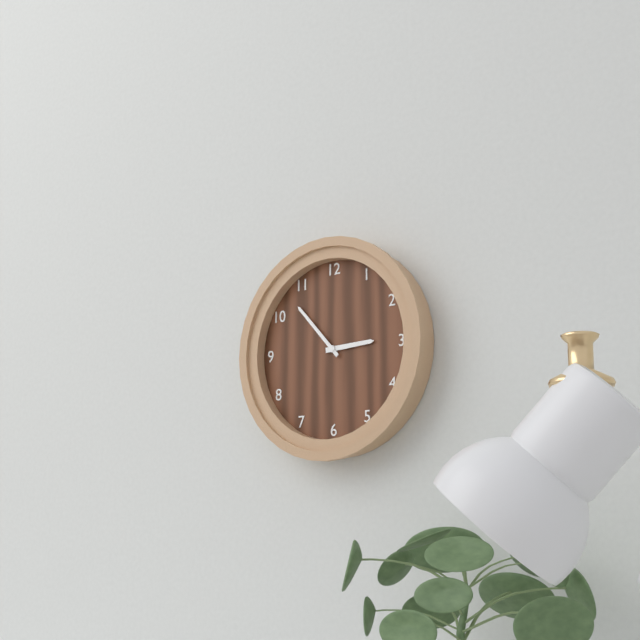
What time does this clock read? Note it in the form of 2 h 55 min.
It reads 2 h 53 min
